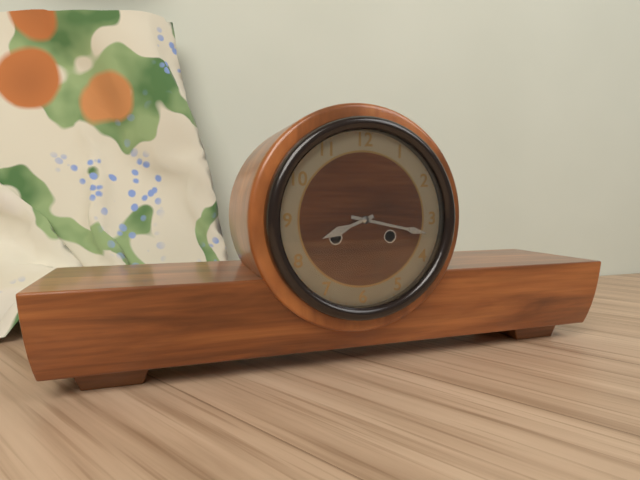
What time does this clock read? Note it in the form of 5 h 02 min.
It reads 8 h 17 min
